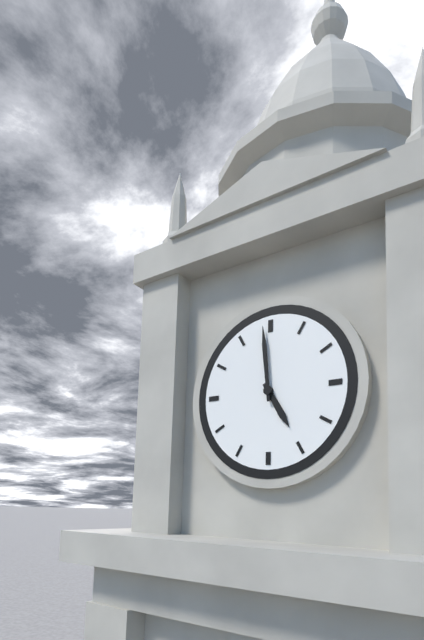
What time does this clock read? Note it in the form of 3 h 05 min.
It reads 4 h 59 min
